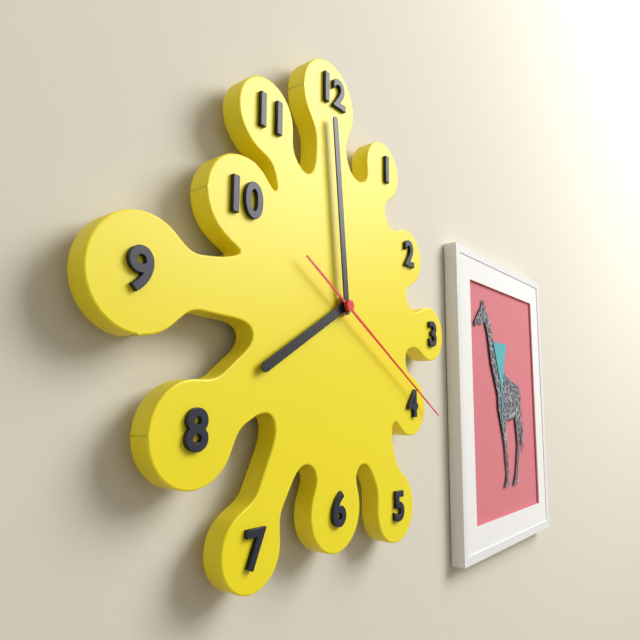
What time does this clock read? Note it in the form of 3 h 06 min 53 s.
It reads 7 h 59 min 20 s
